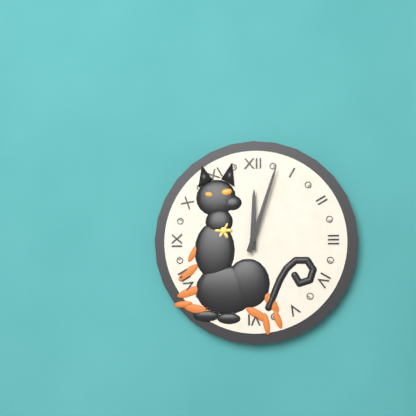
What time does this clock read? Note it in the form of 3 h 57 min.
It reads 12 h 03 min
